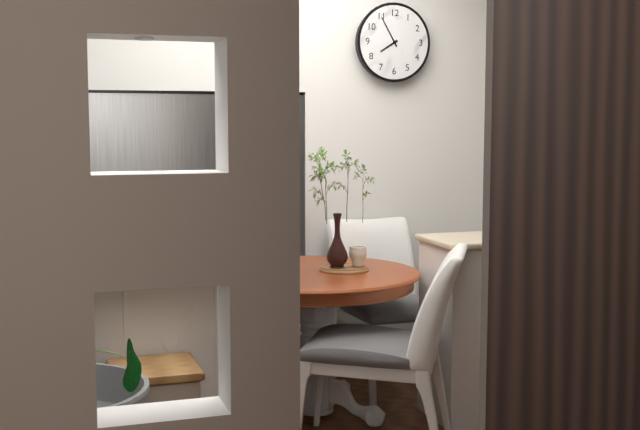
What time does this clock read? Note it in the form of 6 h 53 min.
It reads 7 h 55 min
